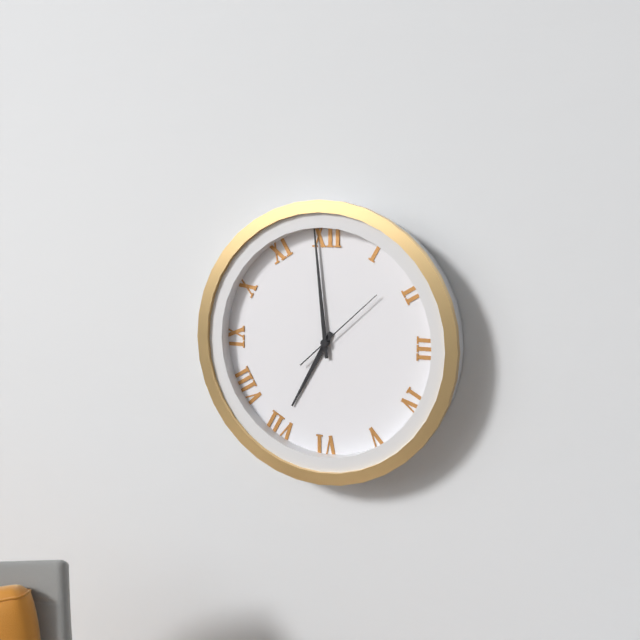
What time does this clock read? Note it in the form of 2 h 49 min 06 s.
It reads 6 h 59 min 08 s
